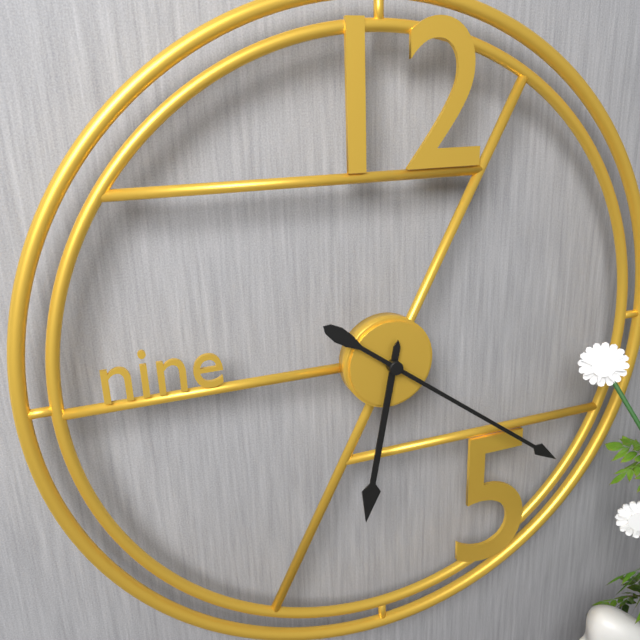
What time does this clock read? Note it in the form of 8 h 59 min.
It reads 6 h 21 min
